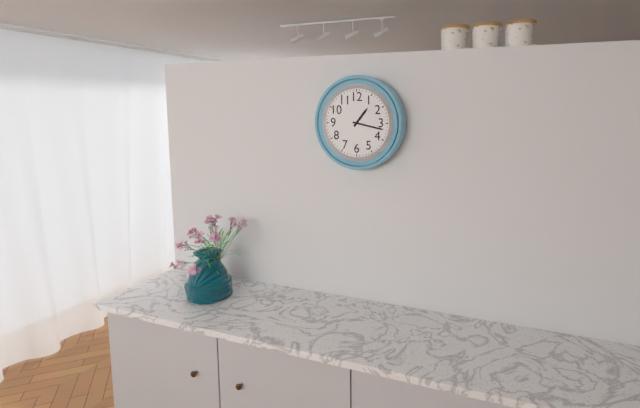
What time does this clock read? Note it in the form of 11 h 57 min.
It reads 1 h 17 min
